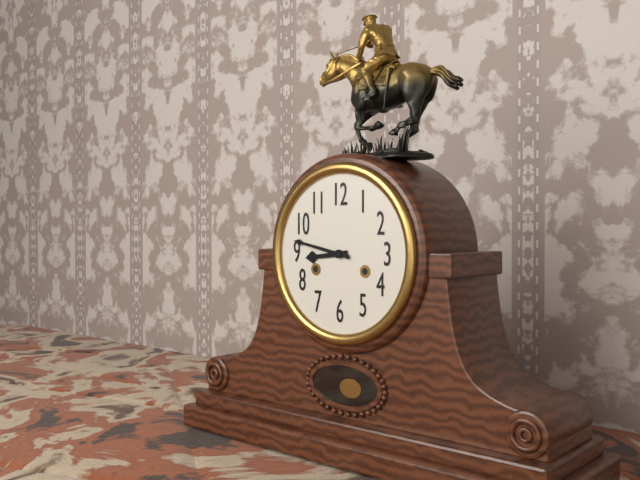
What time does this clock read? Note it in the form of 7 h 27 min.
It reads 8 h 47 min
